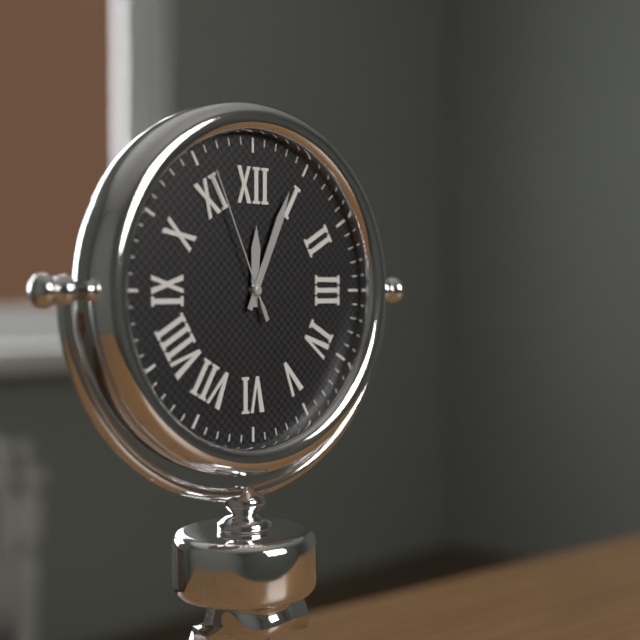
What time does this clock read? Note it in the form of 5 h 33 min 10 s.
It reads 12 h 04 min 56 s
